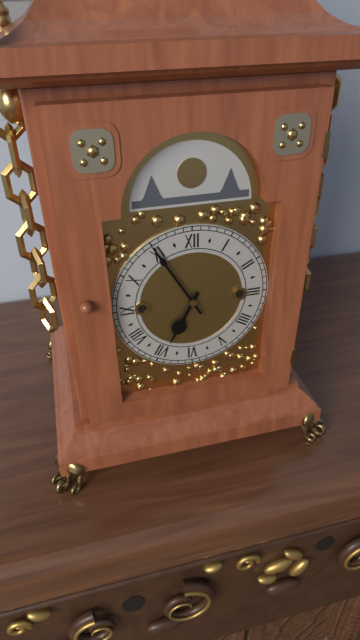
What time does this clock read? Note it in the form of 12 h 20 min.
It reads 6 h 55 min
